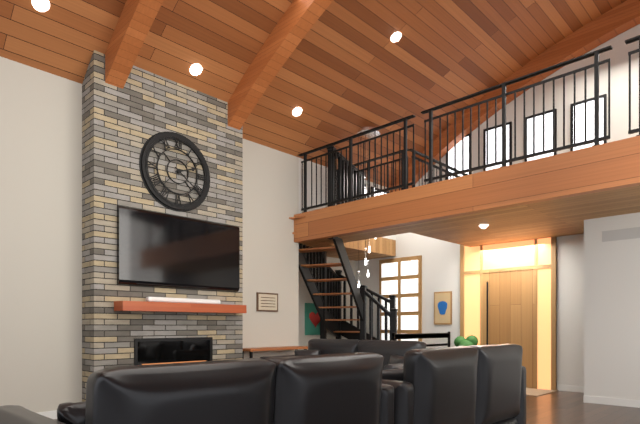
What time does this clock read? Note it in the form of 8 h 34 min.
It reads 2 h 21 min
